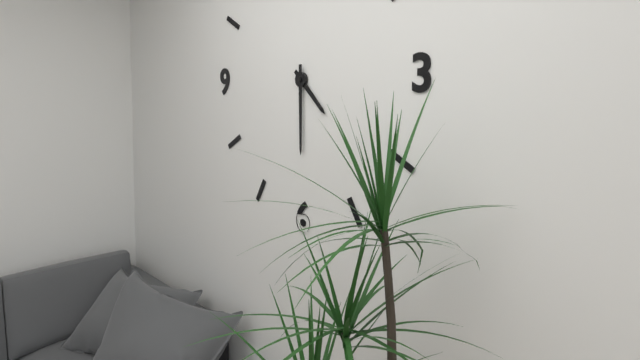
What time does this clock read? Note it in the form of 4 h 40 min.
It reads 4 h 30 min
